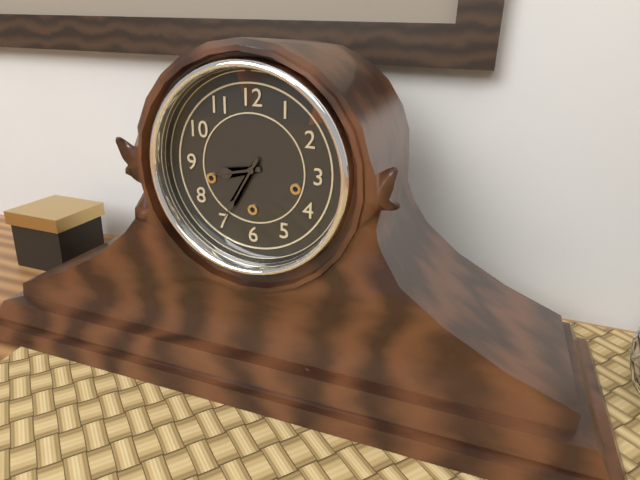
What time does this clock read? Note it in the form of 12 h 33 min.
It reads 8 h 35 min
